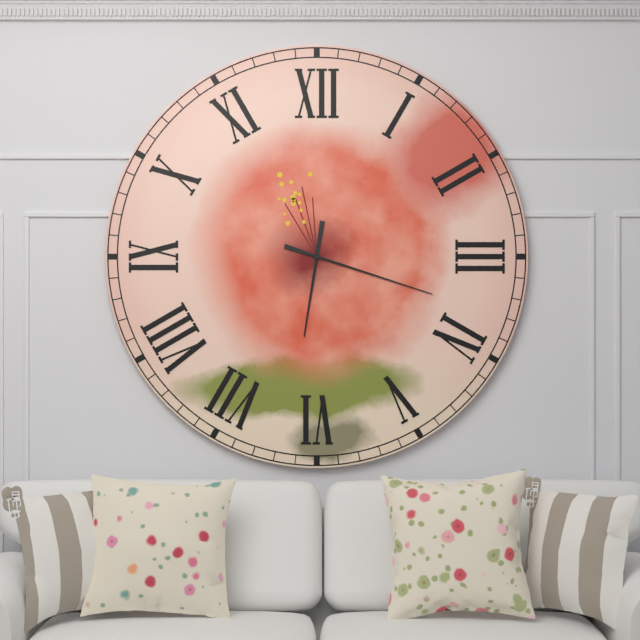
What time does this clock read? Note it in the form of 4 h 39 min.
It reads 6 h 18 min
